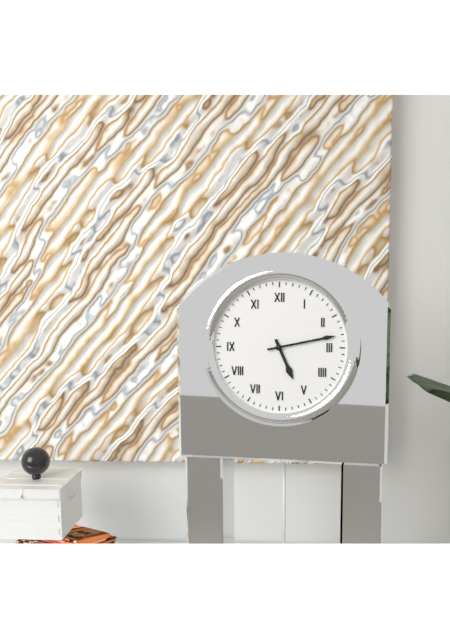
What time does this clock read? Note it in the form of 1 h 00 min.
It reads 5 h 13 min
